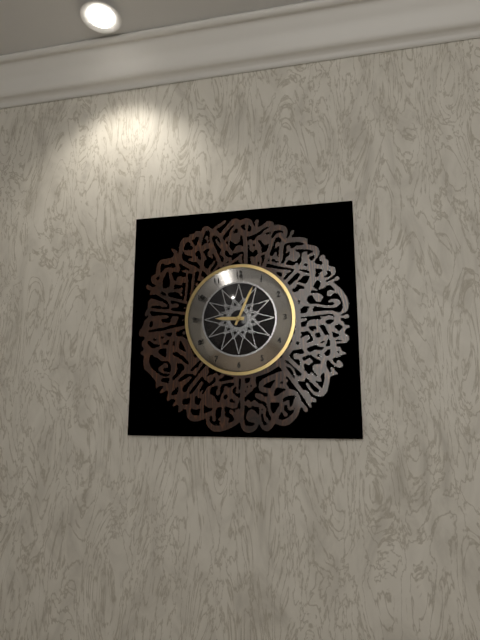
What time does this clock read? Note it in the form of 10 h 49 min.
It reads 9 h 04 min
